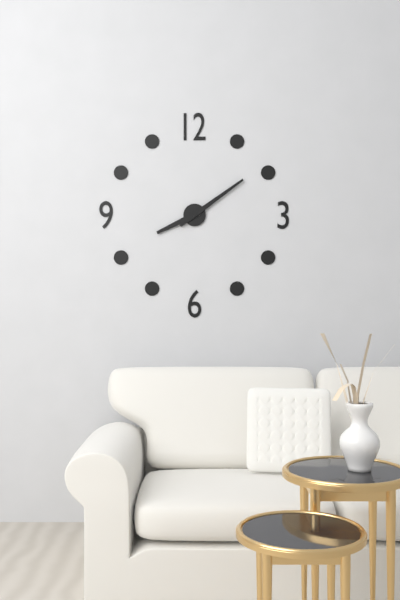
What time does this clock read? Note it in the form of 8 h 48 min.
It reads 8 h 09 min
